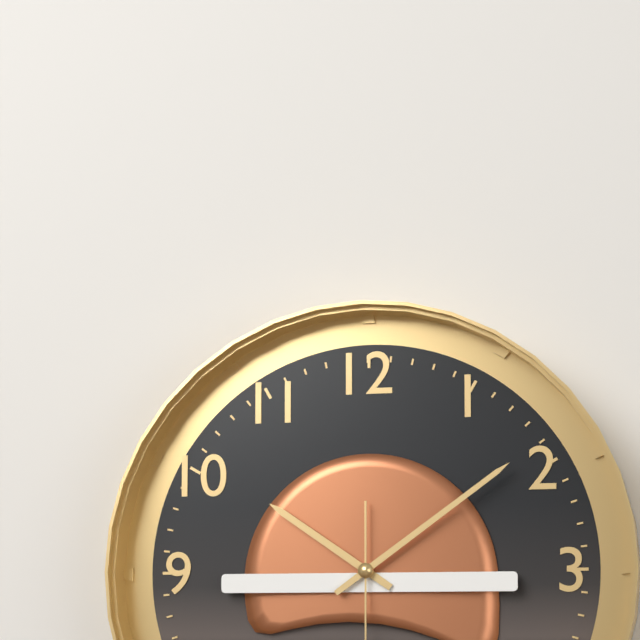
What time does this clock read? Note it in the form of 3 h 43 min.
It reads 10 h 09 min
